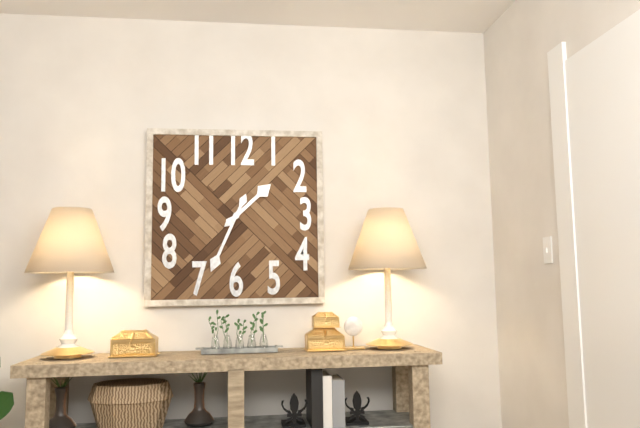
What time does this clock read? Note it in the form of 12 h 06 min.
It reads 1 h 34 min
